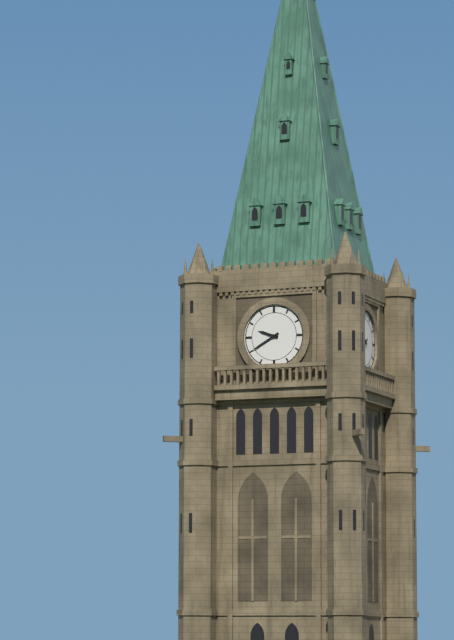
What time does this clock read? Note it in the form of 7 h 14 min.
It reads 9 h 40 min
